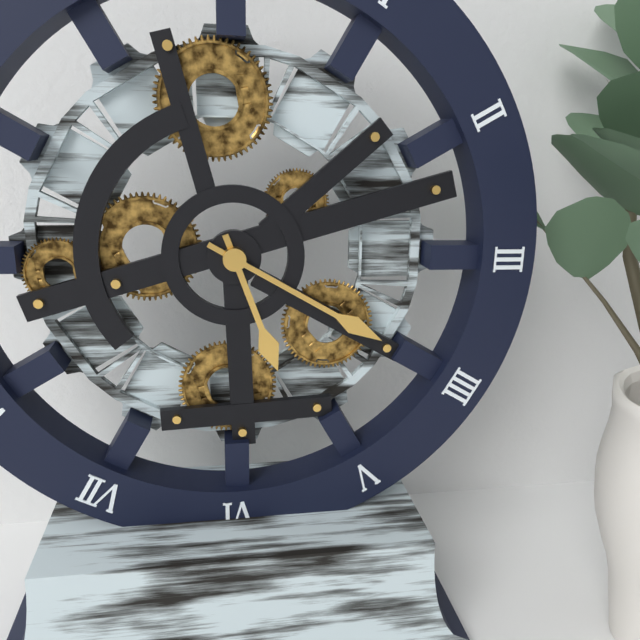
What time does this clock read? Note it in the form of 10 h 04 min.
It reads 5 h 20 min
